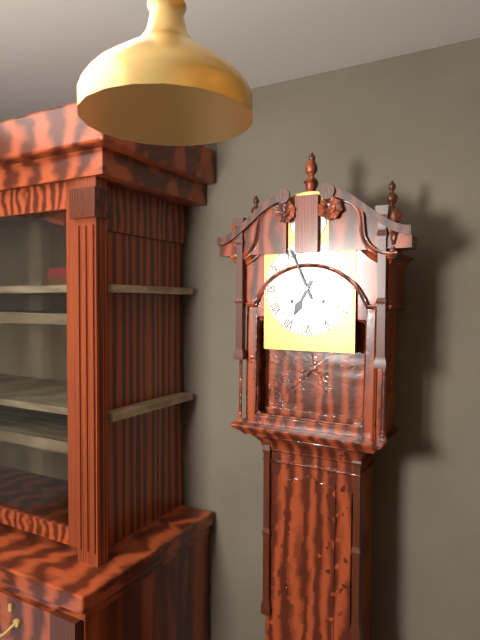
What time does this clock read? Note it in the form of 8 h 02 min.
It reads 6 h 56 min
